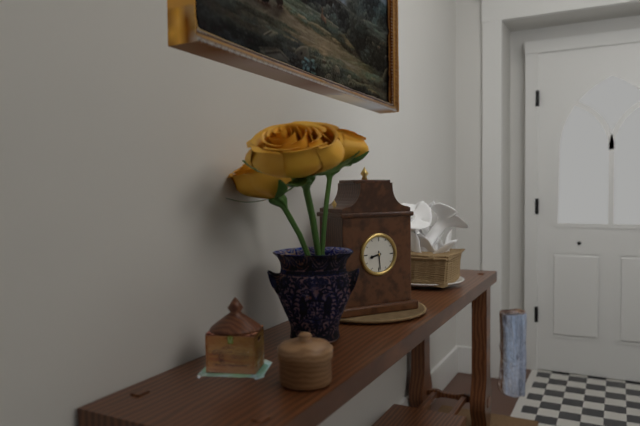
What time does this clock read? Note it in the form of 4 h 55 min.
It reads 8 h 29 min
